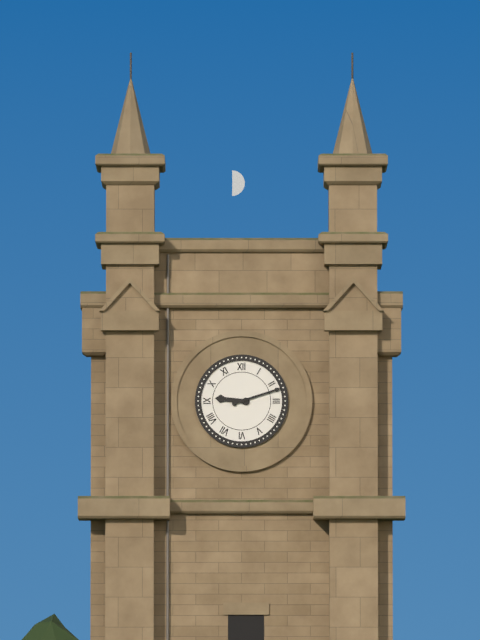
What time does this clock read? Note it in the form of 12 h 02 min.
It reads 9 h 12 min
